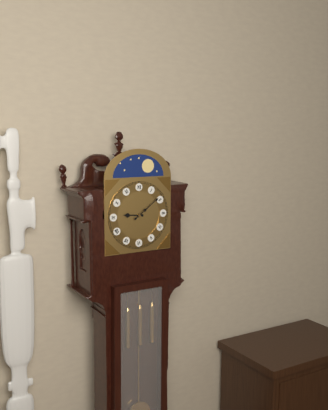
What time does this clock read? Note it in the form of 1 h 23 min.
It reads 9 h 09 min
